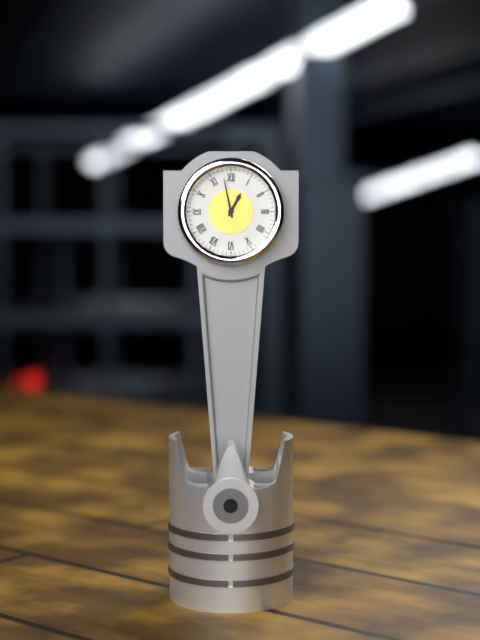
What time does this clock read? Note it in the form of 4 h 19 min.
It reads 12 h 58 min
